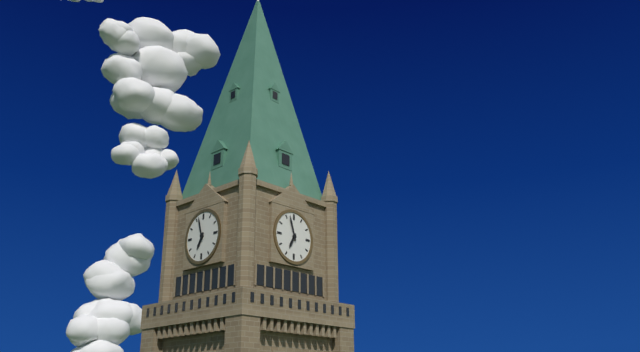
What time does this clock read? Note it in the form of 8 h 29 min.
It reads 6 h 57 min
